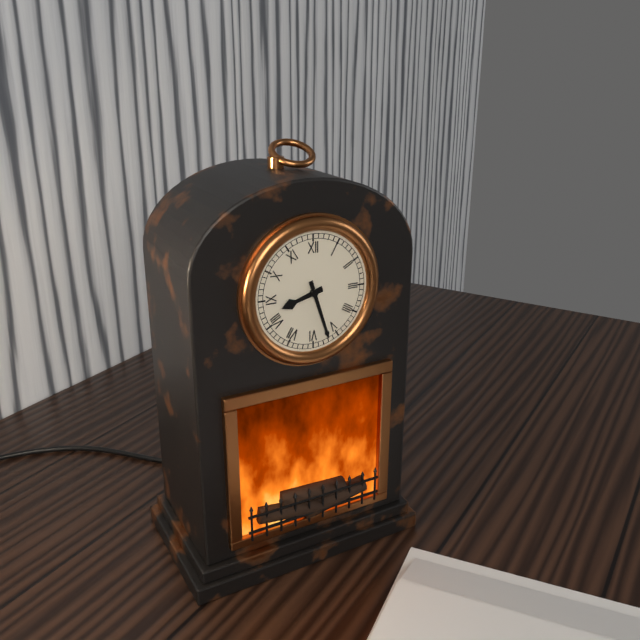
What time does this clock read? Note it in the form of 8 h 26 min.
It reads 8 h 27 min
